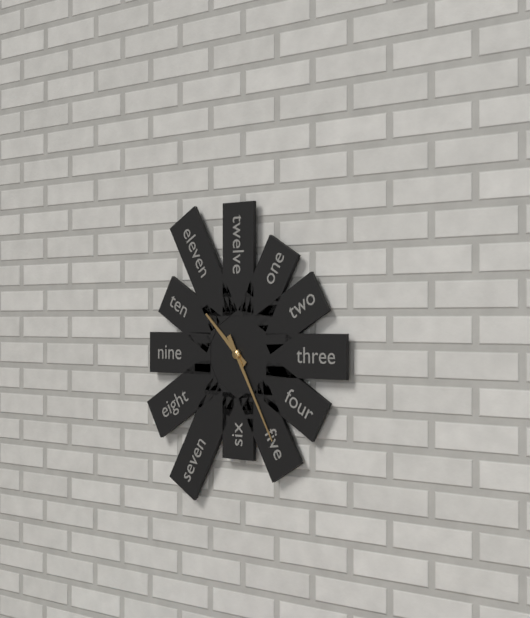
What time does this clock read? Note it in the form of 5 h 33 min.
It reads 10 h 25 min
